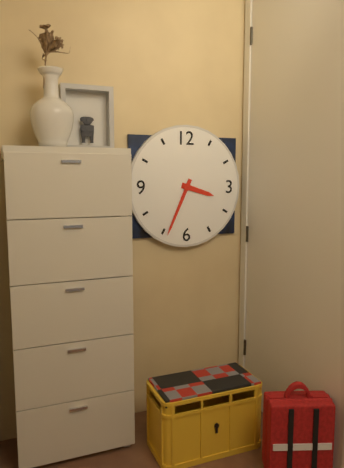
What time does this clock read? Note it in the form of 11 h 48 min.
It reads 3 h 34 min
